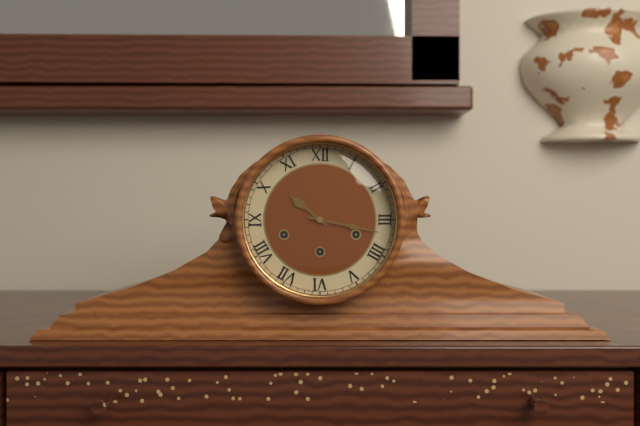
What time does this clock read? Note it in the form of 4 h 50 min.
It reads 10 h 17 min
